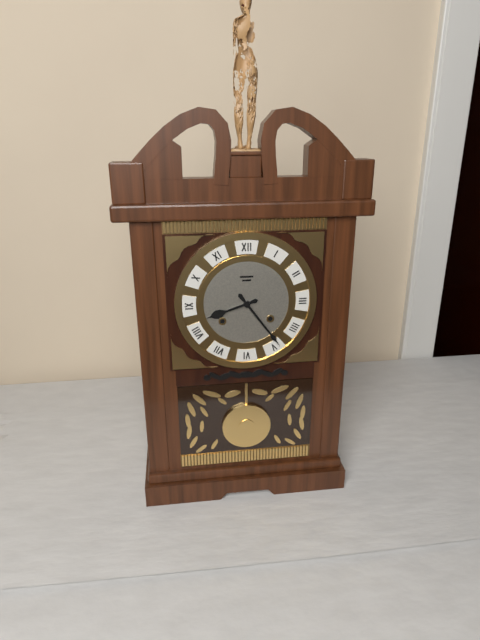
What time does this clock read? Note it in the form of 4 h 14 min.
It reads 8 h 24 min
